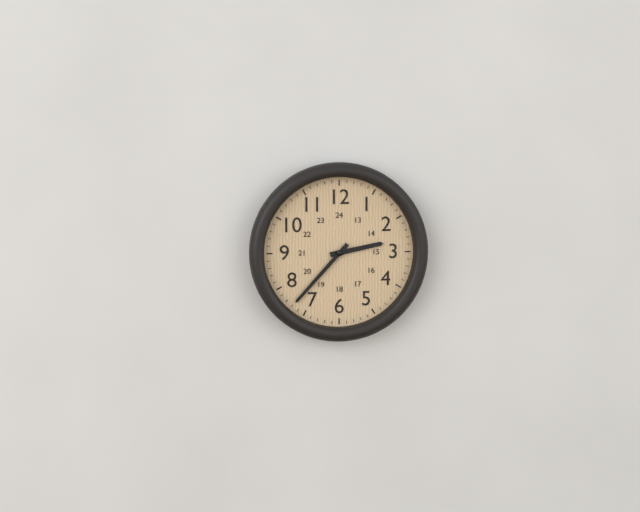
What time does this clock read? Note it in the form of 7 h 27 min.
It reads 2 h 37 min
